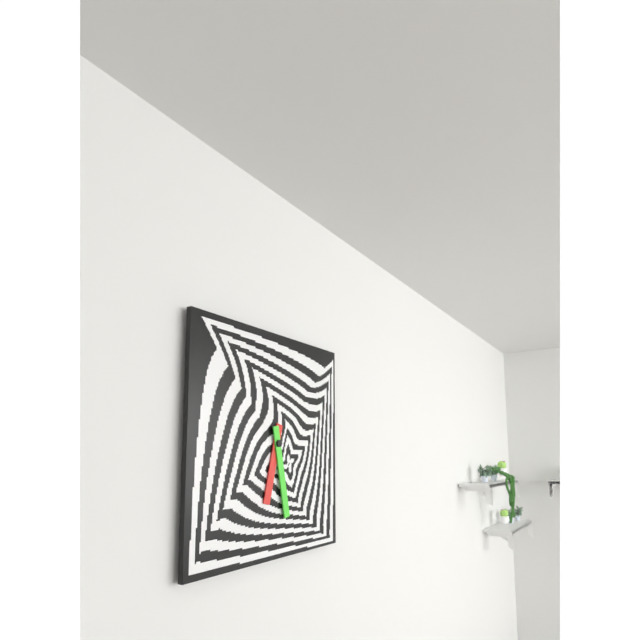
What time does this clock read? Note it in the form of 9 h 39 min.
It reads 6 h 28 min
